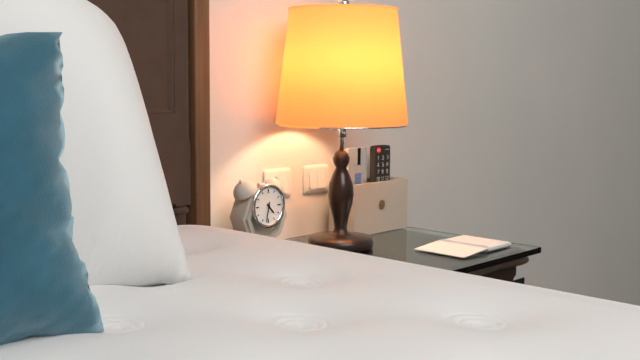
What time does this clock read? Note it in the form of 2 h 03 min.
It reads 4 h 32 min
